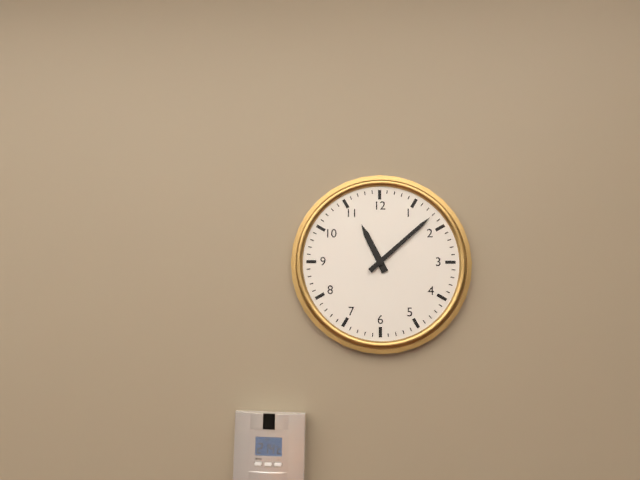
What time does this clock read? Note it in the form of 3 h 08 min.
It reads 11 h 08 min
